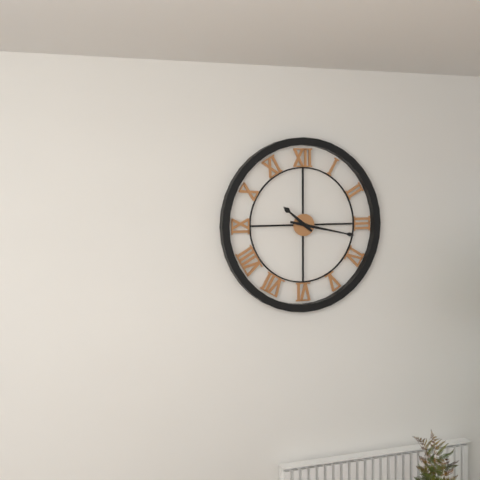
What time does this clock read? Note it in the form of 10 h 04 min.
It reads 10 h 17 min
